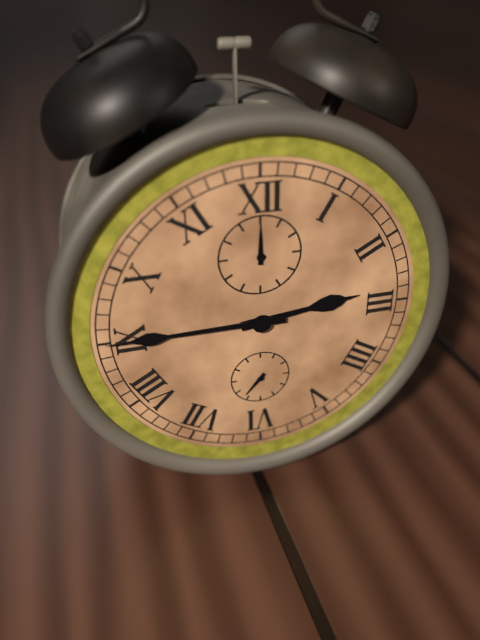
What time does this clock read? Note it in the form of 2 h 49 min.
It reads 2 h 45 min
